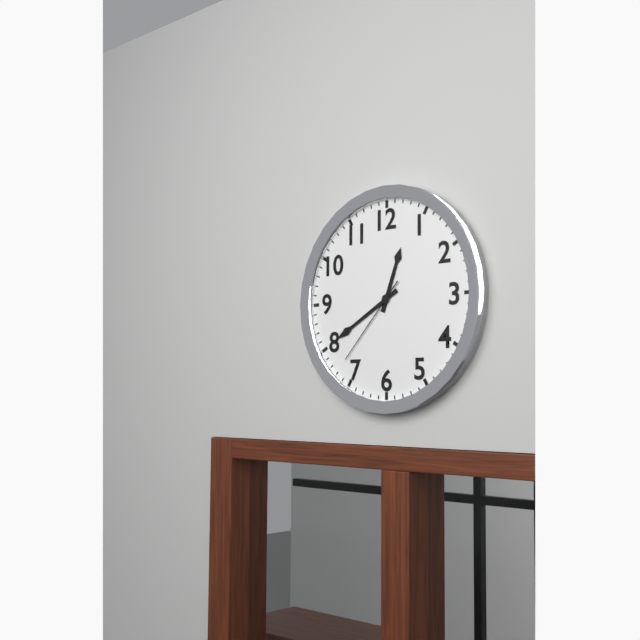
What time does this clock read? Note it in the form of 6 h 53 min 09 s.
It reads 12 h 40 min 37 s
